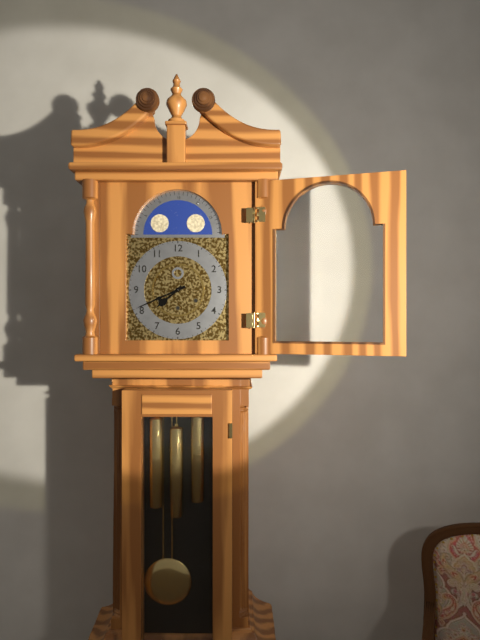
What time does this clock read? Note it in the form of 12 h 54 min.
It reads 7 h 41 min
